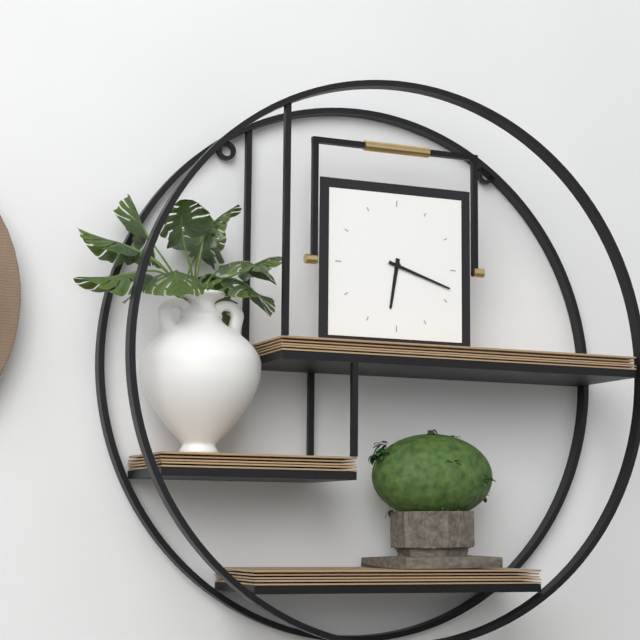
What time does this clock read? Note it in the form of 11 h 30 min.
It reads 6 h 18 min
